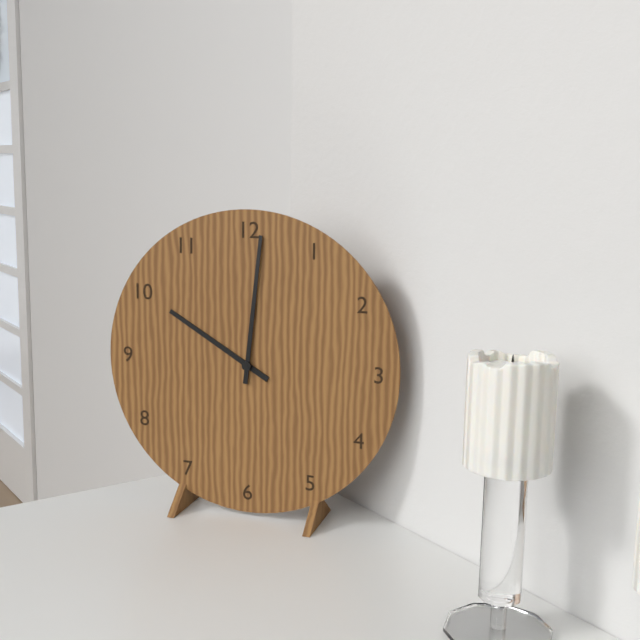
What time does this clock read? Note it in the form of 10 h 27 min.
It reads 10 h 01 min
